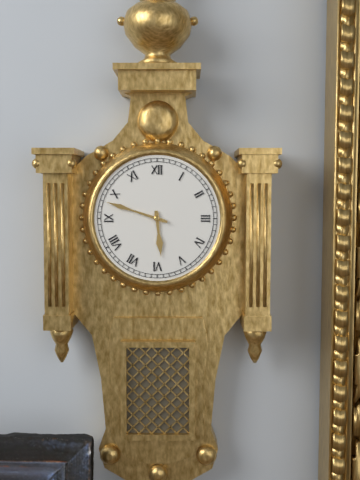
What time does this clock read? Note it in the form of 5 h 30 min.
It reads 5 h 48 min
